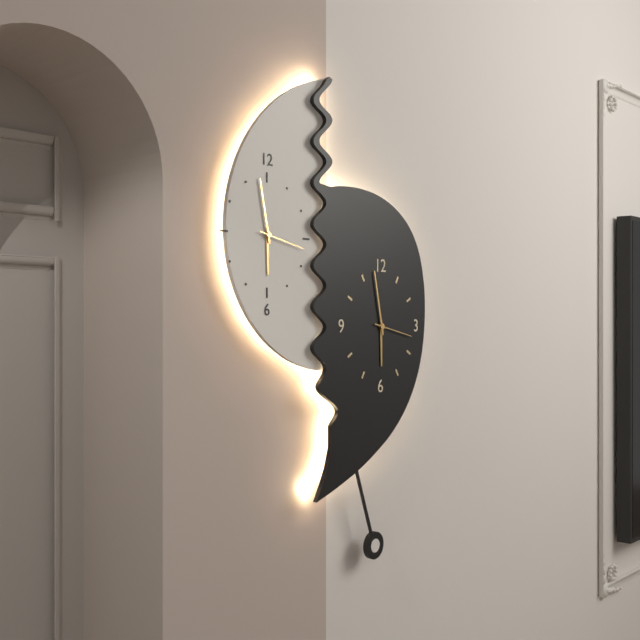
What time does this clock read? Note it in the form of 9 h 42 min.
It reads 5 h 58 min
